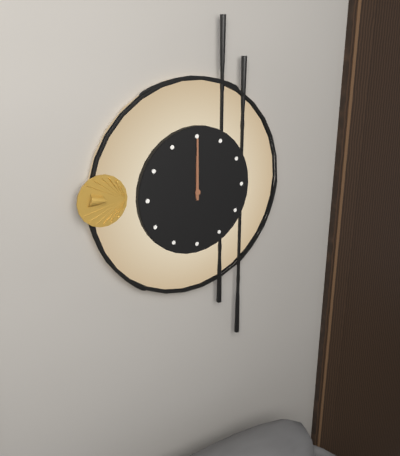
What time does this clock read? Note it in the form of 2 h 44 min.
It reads 12 h 00 min
